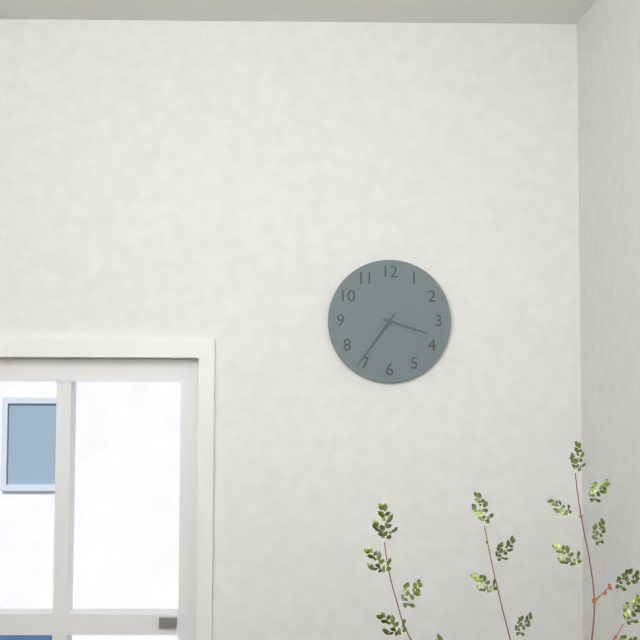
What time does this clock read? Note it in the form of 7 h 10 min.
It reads 3 h 36 min
